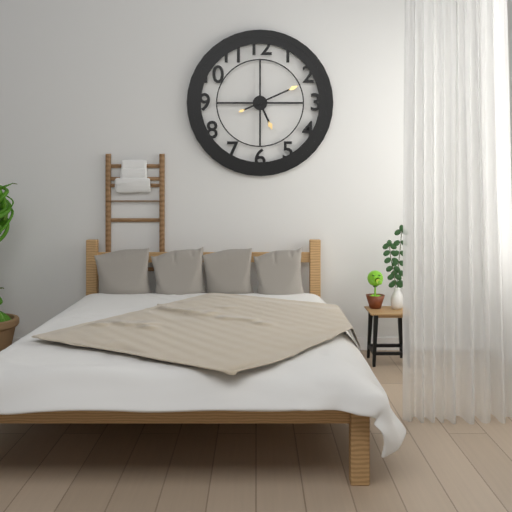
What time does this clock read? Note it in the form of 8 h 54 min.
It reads 5 h 11 min
